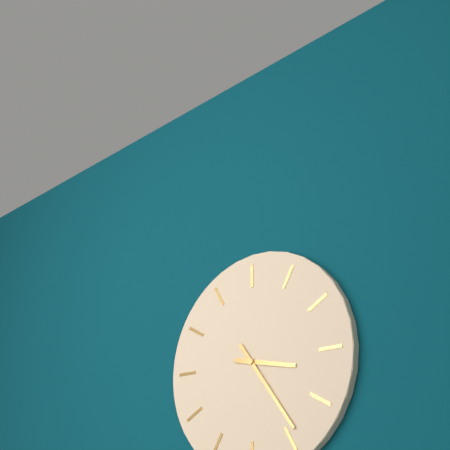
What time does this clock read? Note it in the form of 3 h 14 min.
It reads 3 h 24 min
